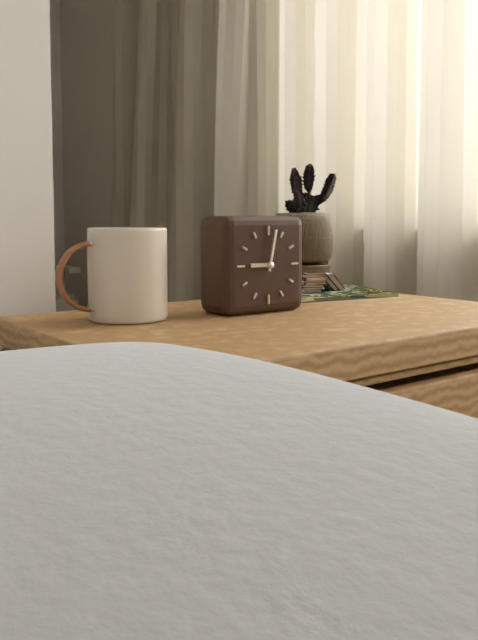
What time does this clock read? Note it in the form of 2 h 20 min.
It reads 9 h 02 min
